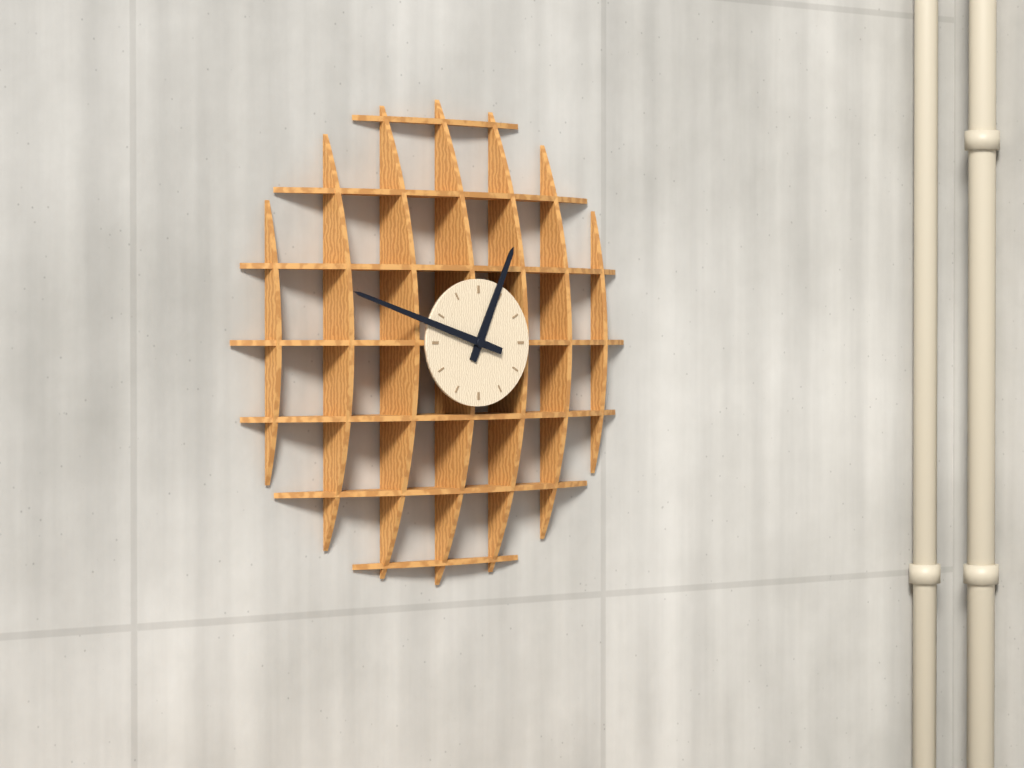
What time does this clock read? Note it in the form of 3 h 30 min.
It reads 12 h 48 min
